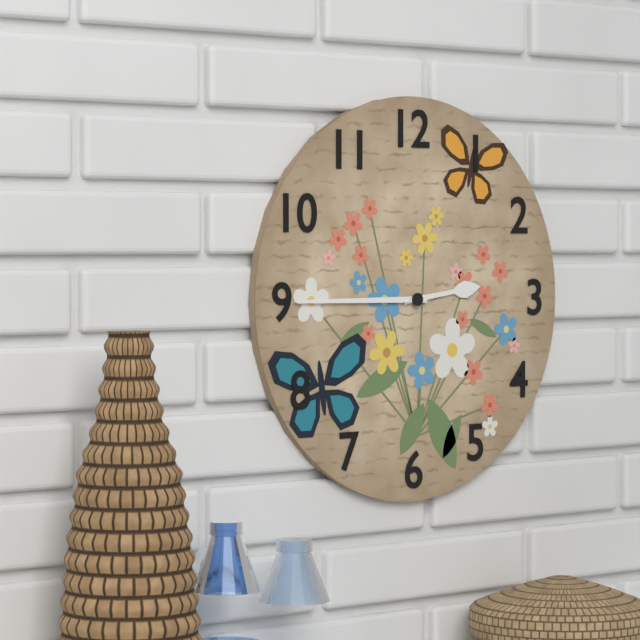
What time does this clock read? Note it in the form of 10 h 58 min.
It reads 2 h 45 min
